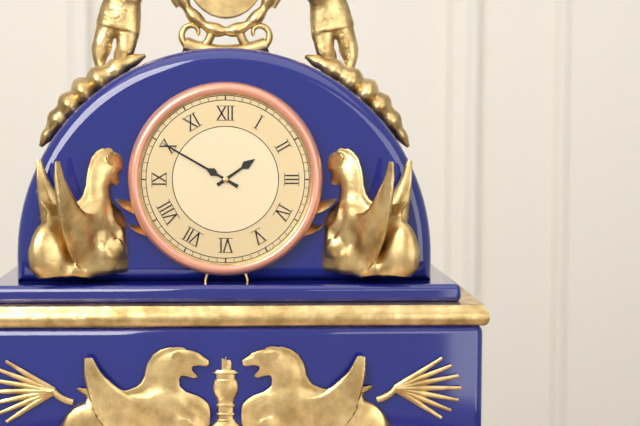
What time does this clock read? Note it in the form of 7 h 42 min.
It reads 1 h 50 min
